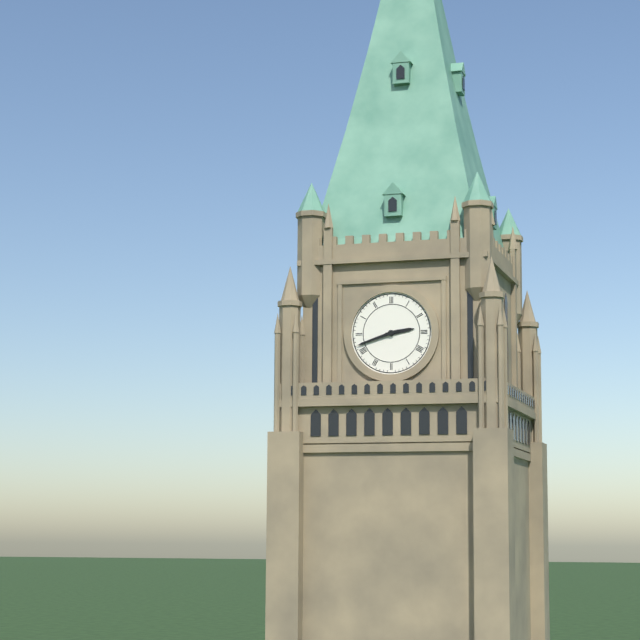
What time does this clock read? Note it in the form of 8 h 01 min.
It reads 2 h 42 min
